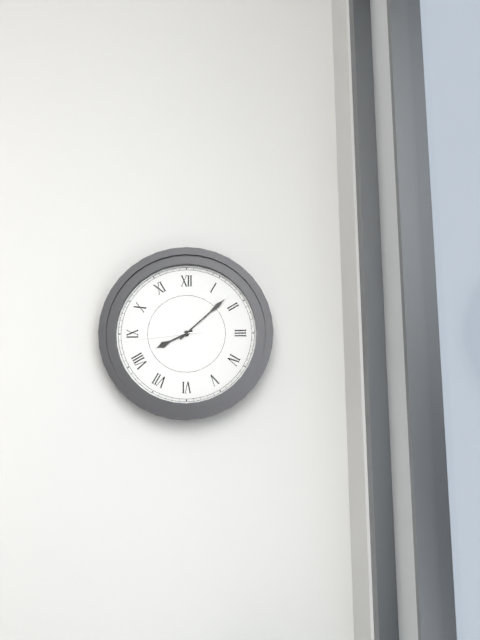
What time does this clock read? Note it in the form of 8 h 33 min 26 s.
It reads 8 h 08 min 44 s
